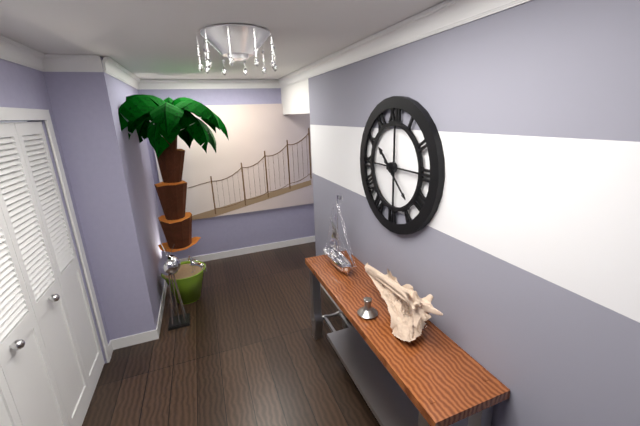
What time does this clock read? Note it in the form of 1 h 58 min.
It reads 10 h 22 min
